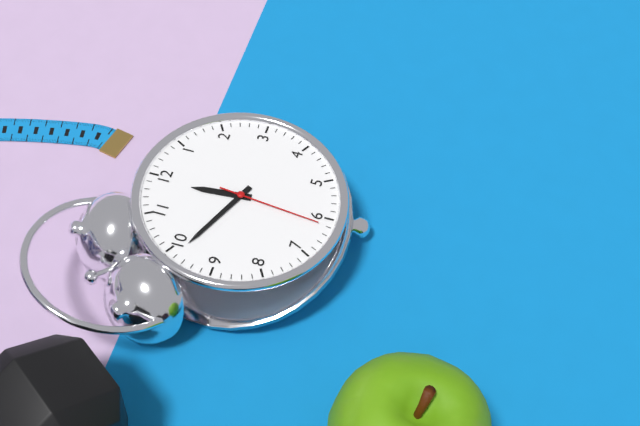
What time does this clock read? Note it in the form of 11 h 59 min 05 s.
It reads 11 h 49 min 31 s
